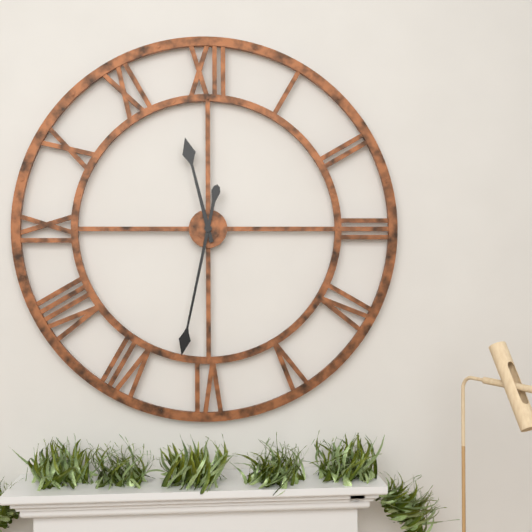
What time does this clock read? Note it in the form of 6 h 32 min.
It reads 11 h 32 min
